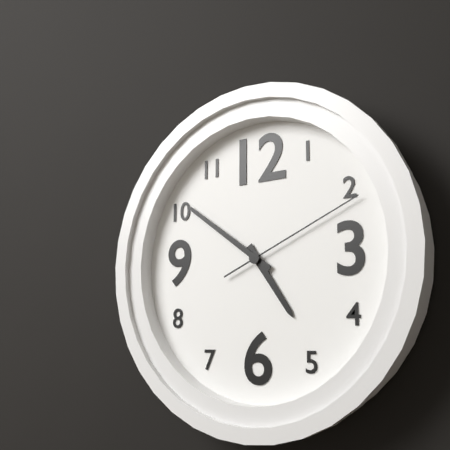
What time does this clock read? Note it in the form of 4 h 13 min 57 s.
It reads 4 h 51 min 11 s
